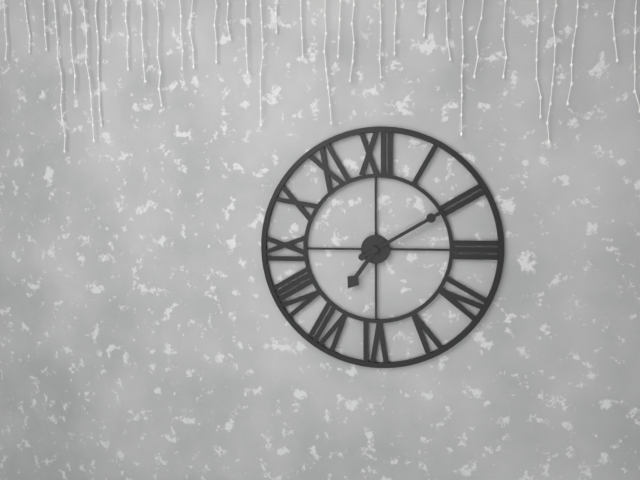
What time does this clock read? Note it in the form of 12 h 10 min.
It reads 7 h 10 min
